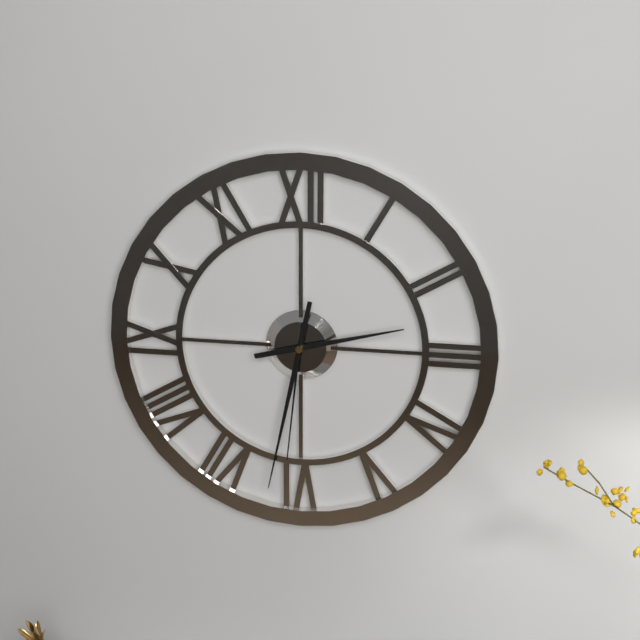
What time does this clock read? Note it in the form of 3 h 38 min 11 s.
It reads 2 h 32 min 31 s
